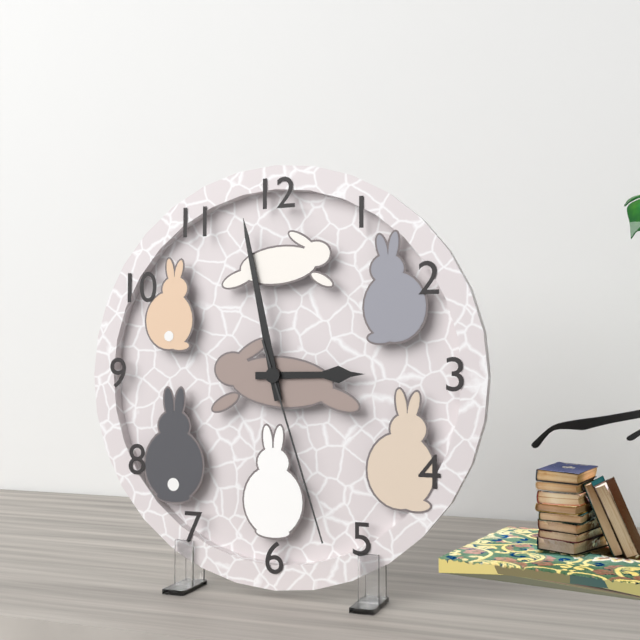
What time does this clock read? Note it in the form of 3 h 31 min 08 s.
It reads 2 h 58 min 27 s
